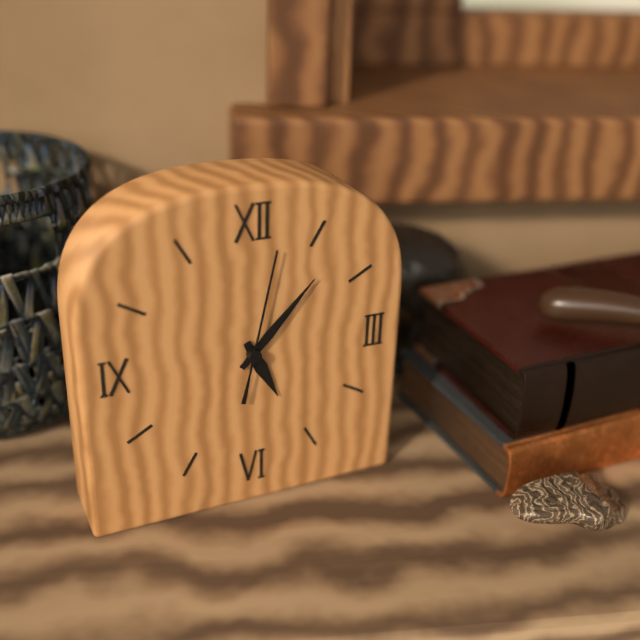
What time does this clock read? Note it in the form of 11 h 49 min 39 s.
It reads 5 h 07 min 02 s
